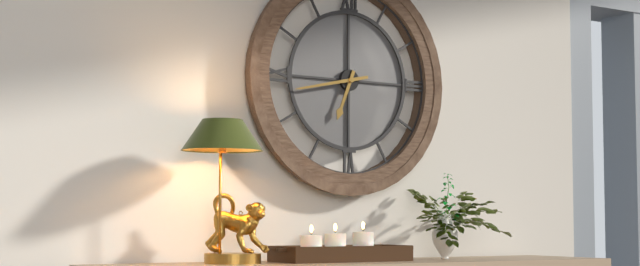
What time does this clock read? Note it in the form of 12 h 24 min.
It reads 6 h 43 min
